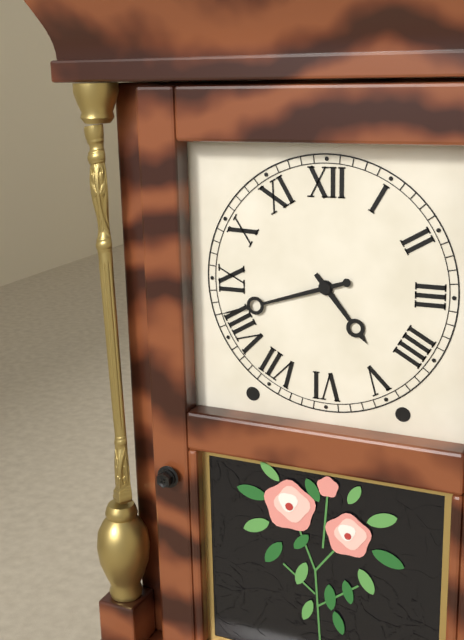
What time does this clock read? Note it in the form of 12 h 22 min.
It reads 4 h 42 min
